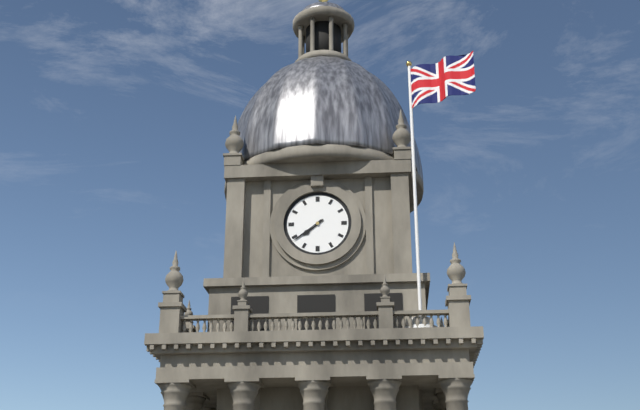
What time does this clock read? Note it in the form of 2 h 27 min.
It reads 7 h 39 min
